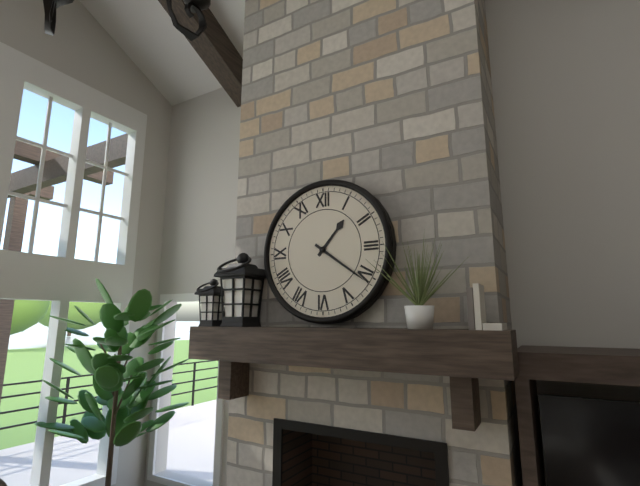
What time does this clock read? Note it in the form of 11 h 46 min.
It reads 1 h 21 min
